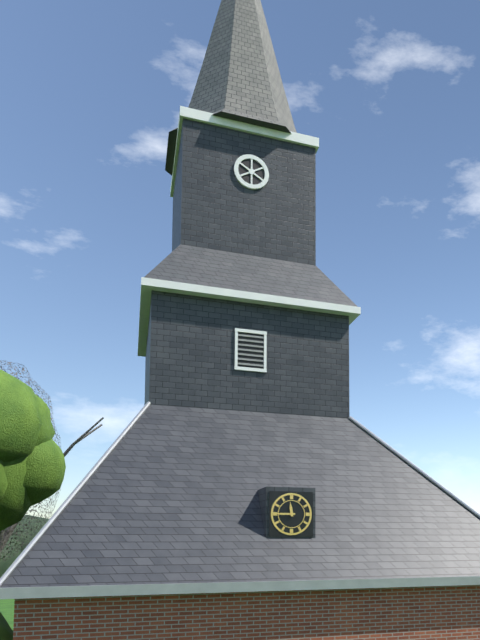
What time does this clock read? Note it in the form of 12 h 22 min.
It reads 11 h 45 min
